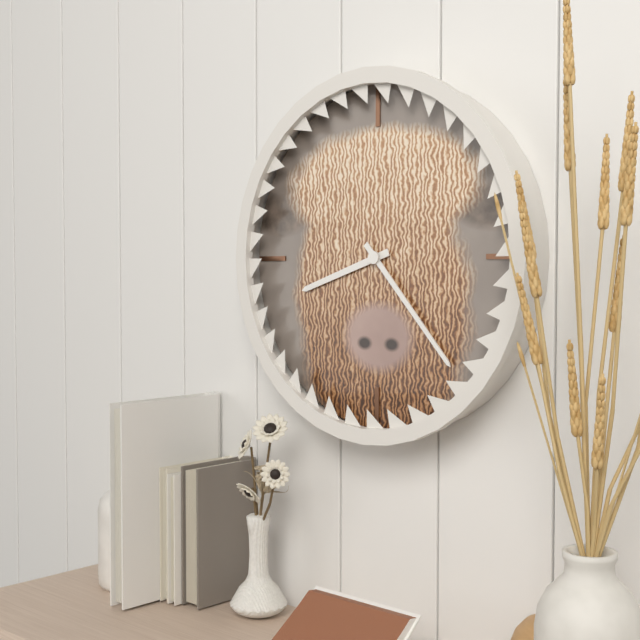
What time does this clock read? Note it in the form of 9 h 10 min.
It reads 8 h 23 min
